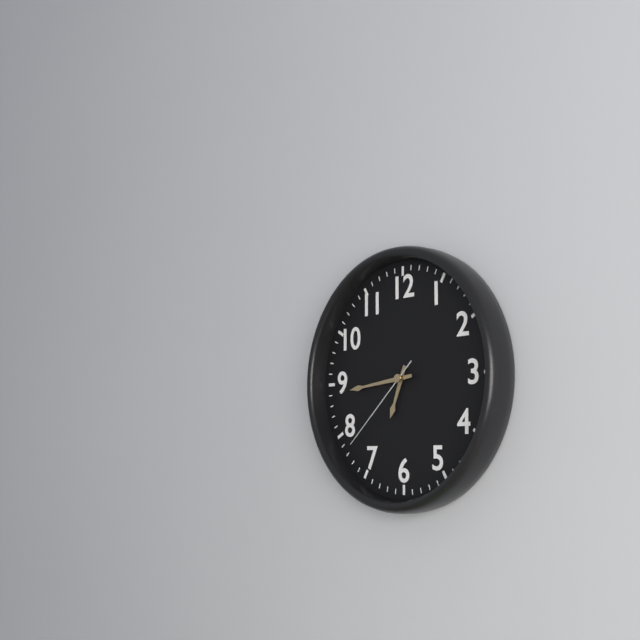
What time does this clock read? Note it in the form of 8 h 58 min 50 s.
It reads 6 h 44 min 38 s
